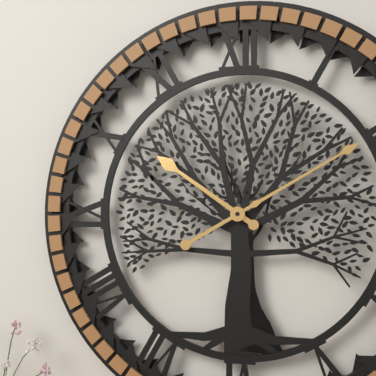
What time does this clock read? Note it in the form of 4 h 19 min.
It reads 10 h 10 min
